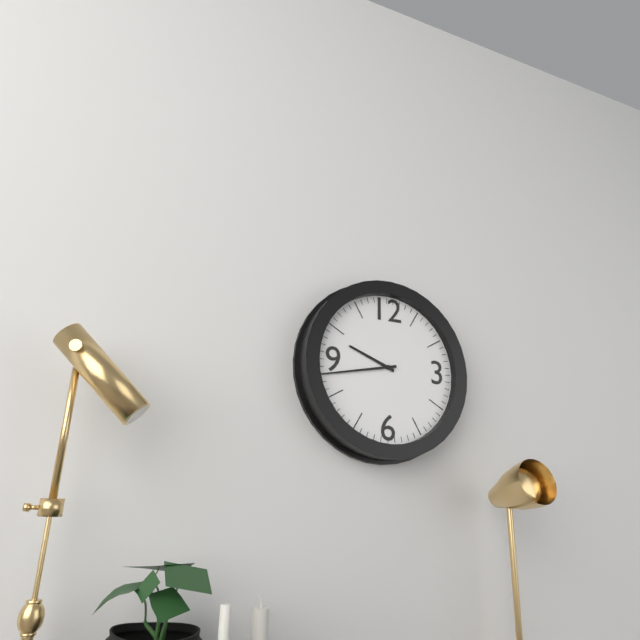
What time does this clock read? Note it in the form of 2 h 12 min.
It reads 9 h 43 min
